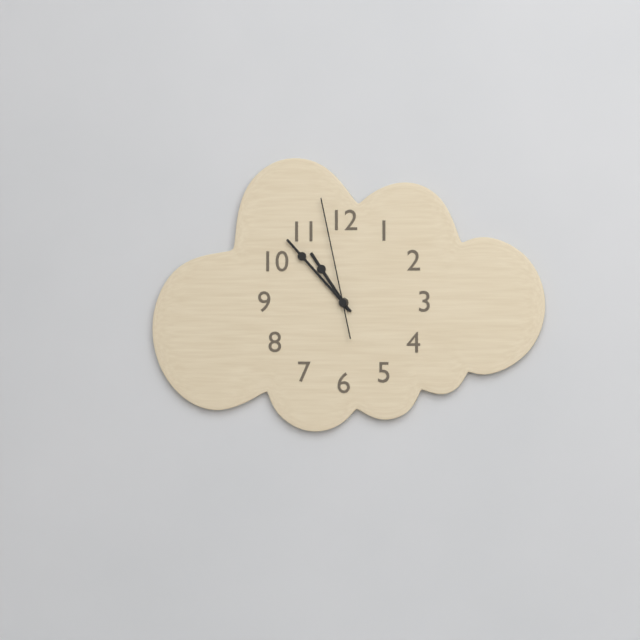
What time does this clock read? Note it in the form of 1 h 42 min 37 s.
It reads 10 h 53 min 58 s
